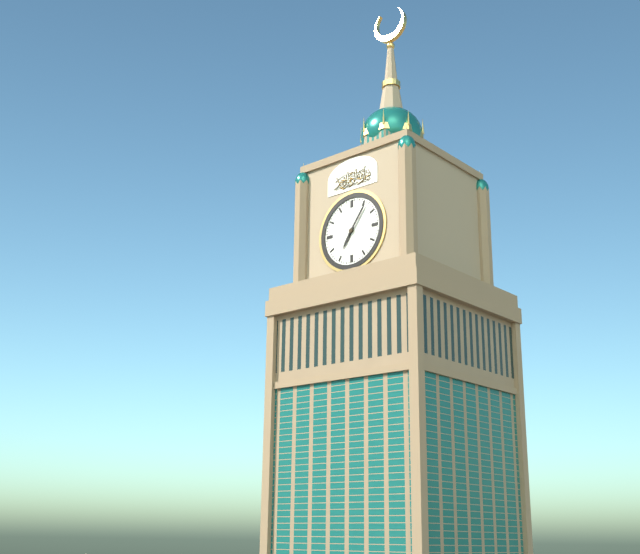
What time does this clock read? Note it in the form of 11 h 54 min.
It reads 7 h 06 min
